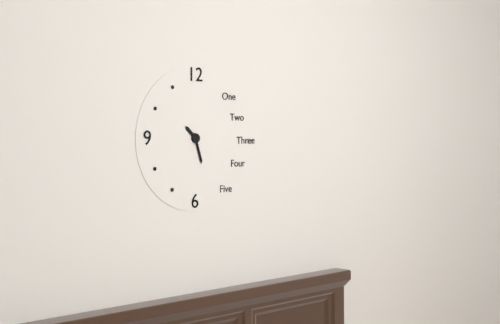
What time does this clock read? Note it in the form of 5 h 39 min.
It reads 10 h 27 min
